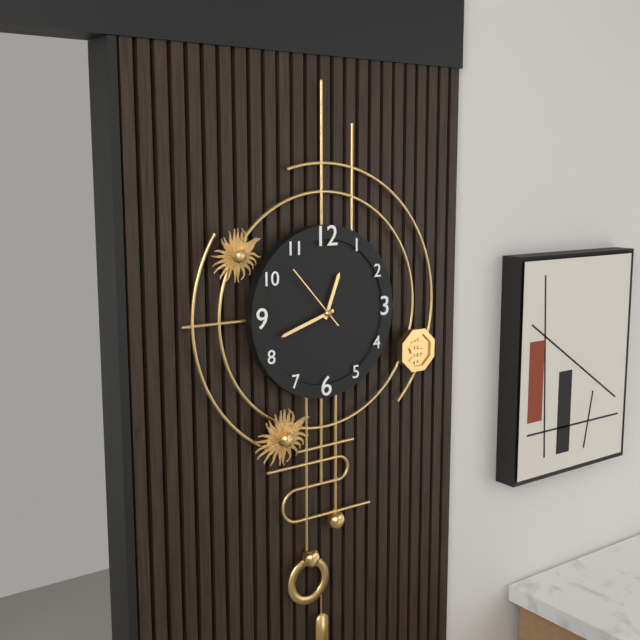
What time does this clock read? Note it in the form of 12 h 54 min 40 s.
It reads 12 h 42 min 53 s
